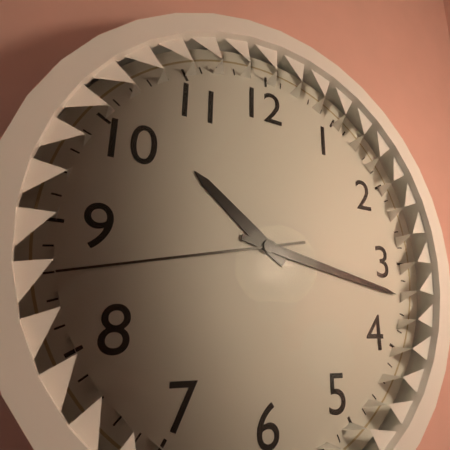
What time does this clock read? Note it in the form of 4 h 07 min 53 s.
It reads 10 h 17 min 43 s
